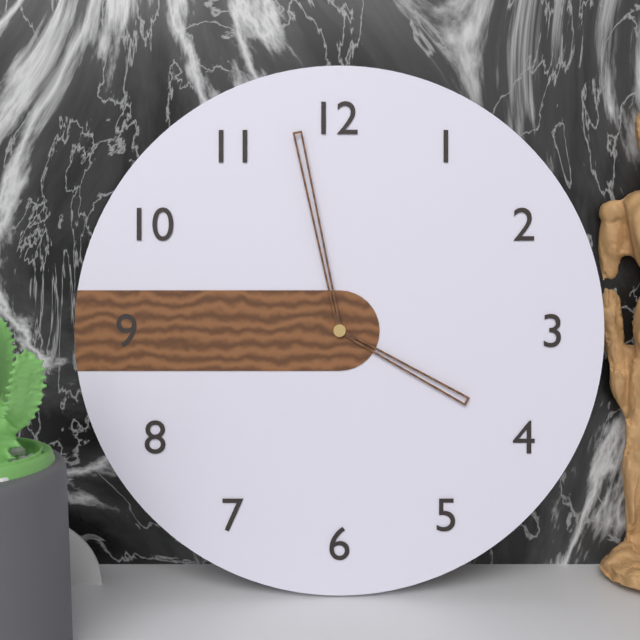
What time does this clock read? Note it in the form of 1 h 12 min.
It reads 3 h 58 min
